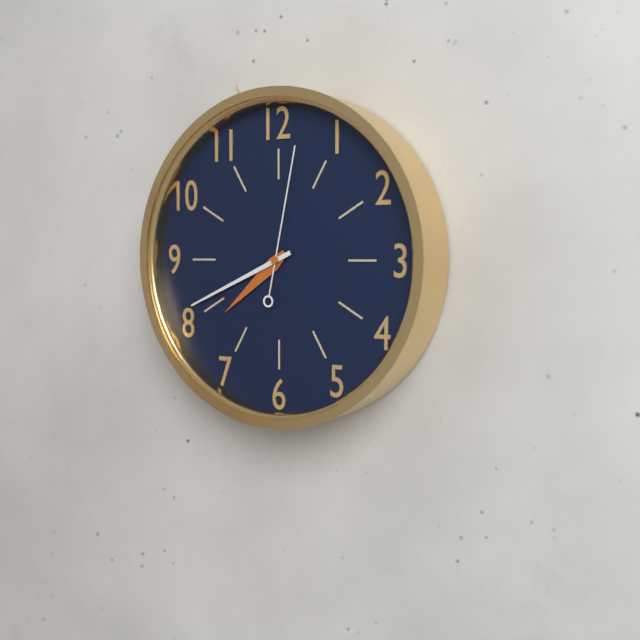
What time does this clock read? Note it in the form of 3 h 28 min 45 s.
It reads 7 h 41 min 02 s
